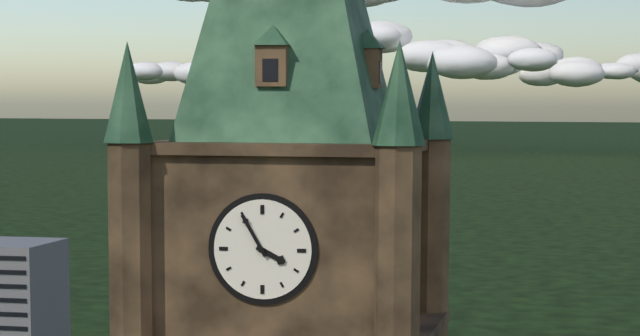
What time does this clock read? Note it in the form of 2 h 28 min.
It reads 3 h 55 min
